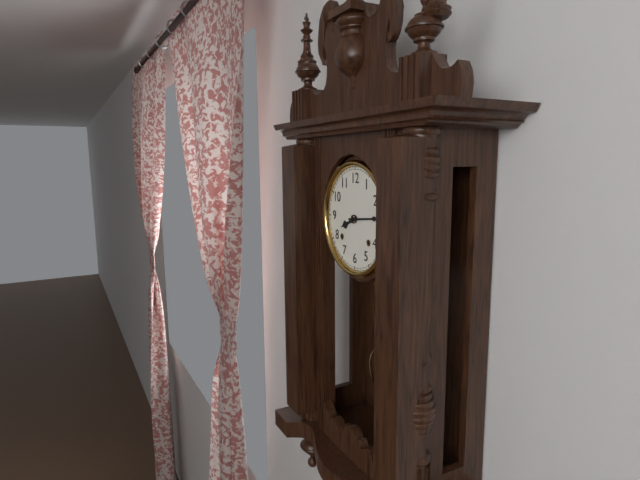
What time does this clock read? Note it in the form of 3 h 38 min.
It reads 8 h 14 min
